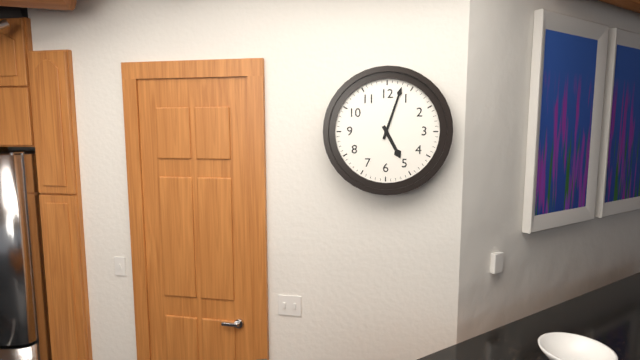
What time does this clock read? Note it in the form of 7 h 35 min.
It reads 5 h 03 min
